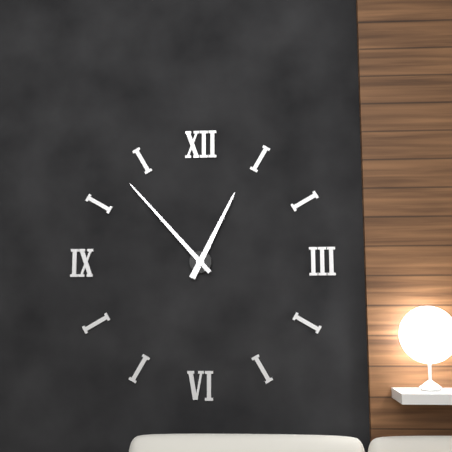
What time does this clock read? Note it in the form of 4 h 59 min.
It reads 12 h 53 min
